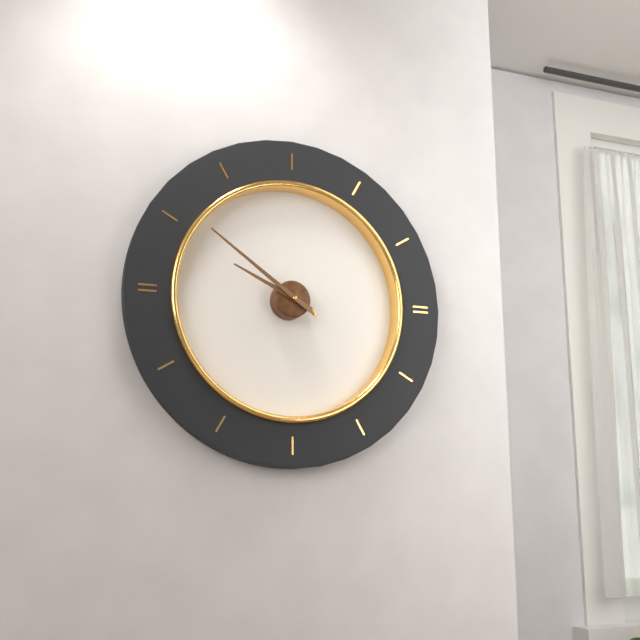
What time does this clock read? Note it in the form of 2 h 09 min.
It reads 9 h 51 min
